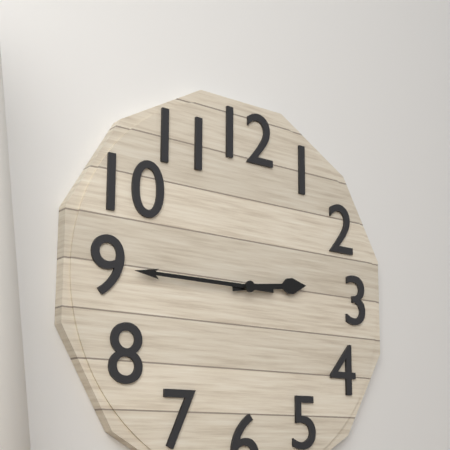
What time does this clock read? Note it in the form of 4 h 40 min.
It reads 2 h 45 min
